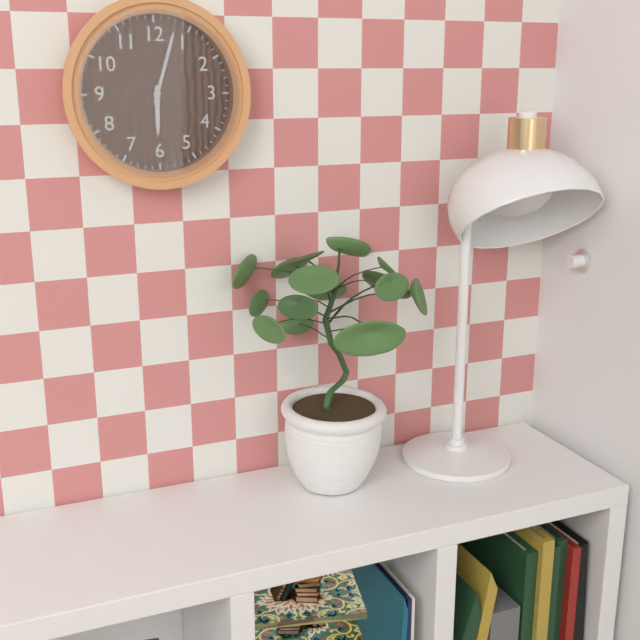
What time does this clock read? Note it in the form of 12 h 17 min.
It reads 6 h 03 min
